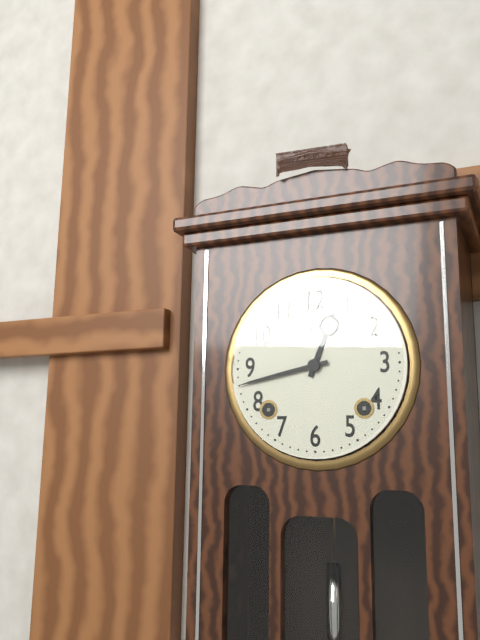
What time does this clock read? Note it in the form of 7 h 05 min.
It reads 12 h 43 min
